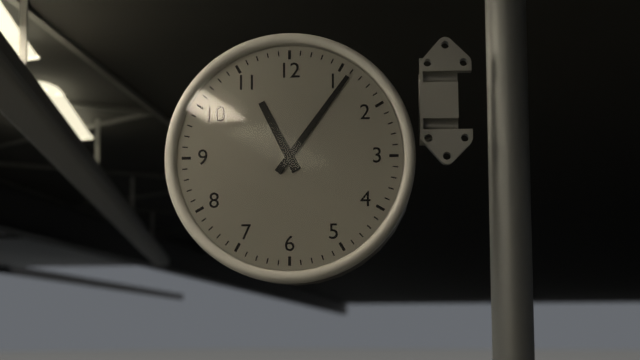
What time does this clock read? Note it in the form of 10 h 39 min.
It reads 11 h 06 min
